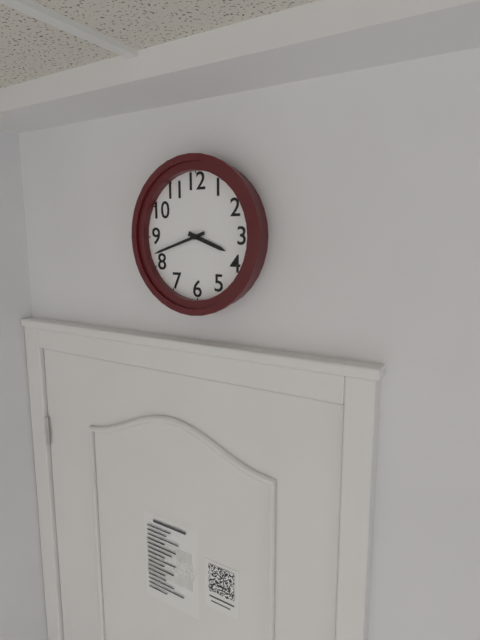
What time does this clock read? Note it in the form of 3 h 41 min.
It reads 3 h 42 min
